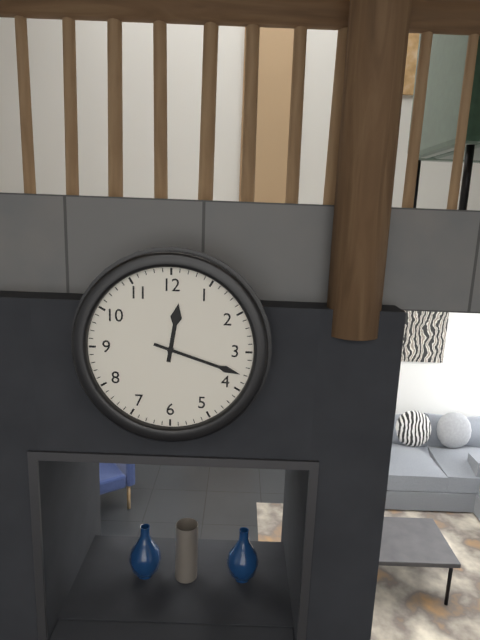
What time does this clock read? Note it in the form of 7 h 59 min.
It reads 12 h 18 min
